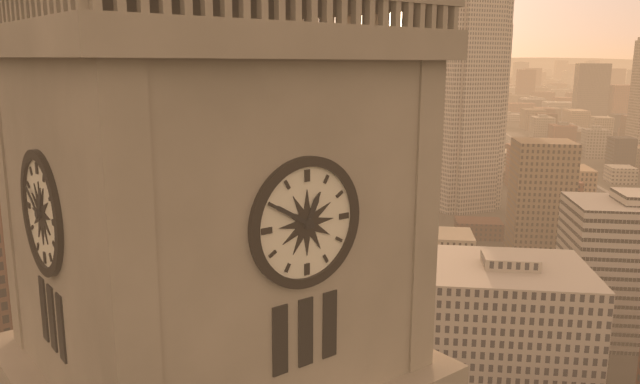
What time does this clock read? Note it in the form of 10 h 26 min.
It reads 12 h 50 min
